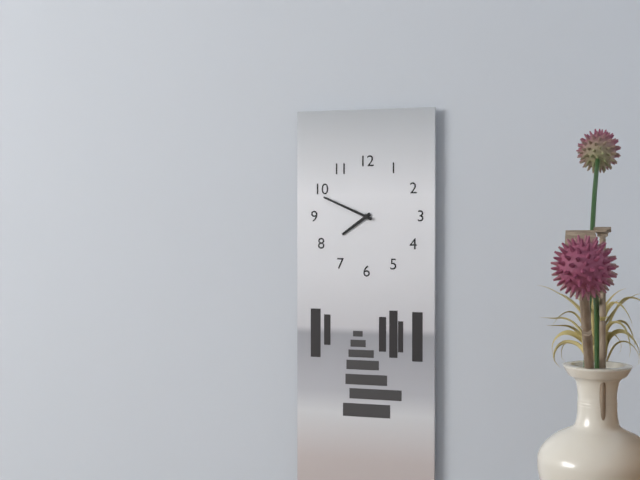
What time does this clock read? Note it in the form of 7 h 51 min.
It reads 7 h 49 min
